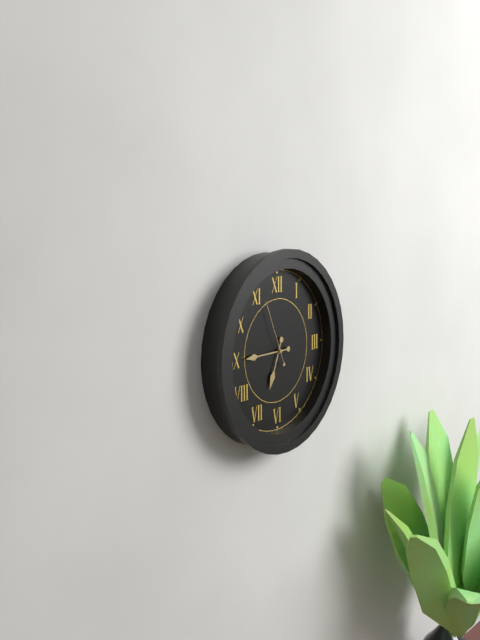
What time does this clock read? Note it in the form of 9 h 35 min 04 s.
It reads 6 h 45 min 56 s
